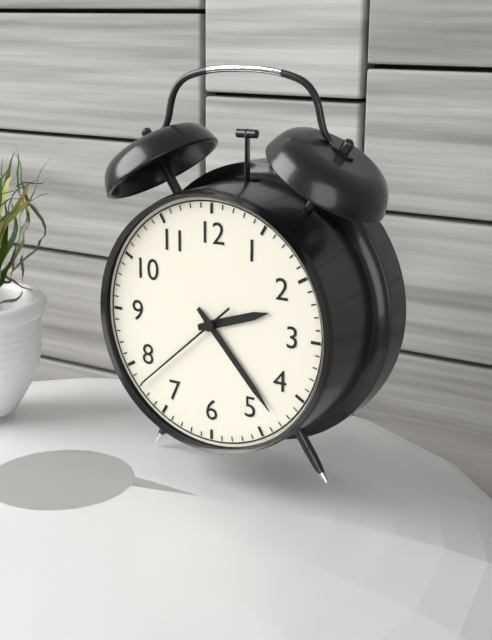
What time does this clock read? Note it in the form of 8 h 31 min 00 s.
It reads 2 h 23 min 38 s
